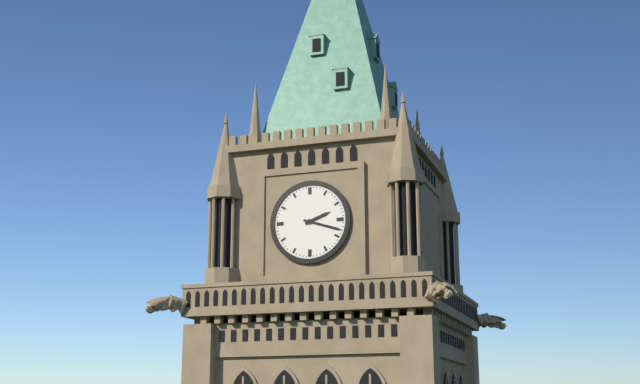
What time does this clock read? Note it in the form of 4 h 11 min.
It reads 2 h 18 min
